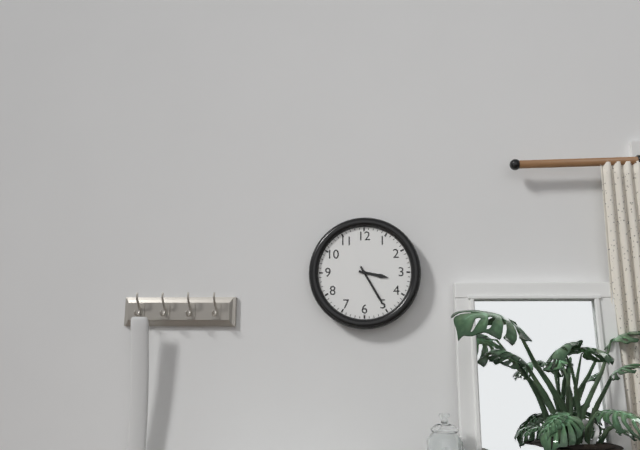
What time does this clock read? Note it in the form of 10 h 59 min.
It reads 3 h 25 min
